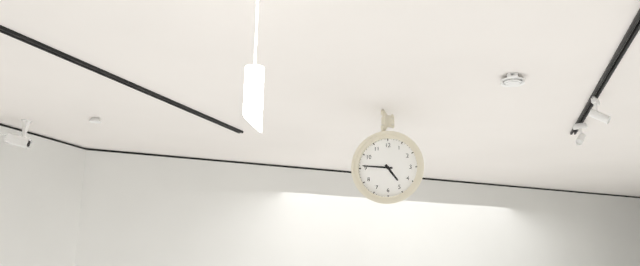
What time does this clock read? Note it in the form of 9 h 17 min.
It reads 4 h 46 min
